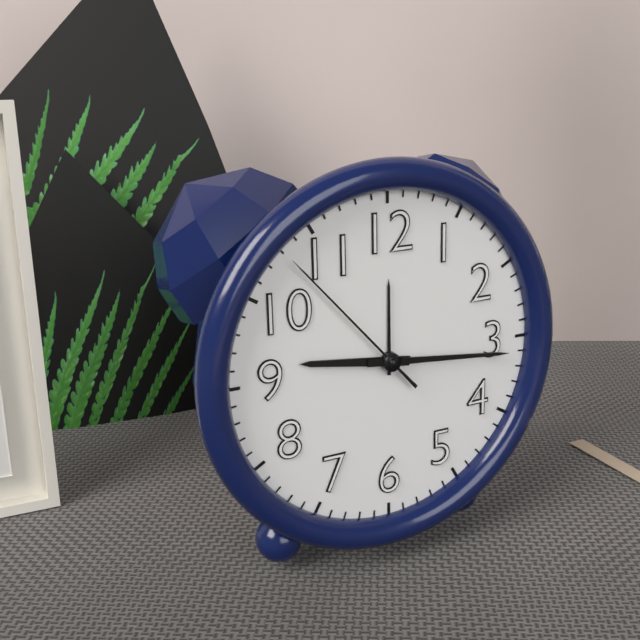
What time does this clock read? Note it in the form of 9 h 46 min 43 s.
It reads 9 h 16 min 53 s
